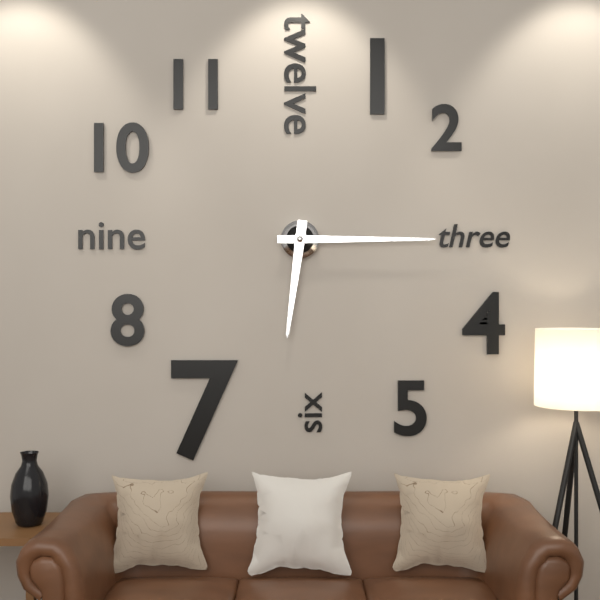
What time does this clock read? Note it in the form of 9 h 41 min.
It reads 6 h 15 min
